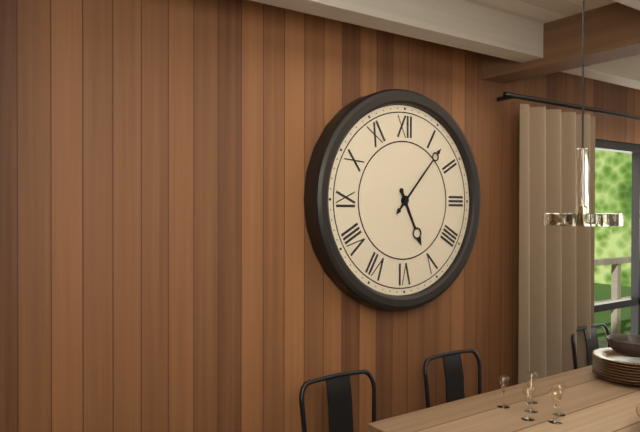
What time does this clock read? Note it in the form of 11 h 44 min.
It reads 5 h 07 min
